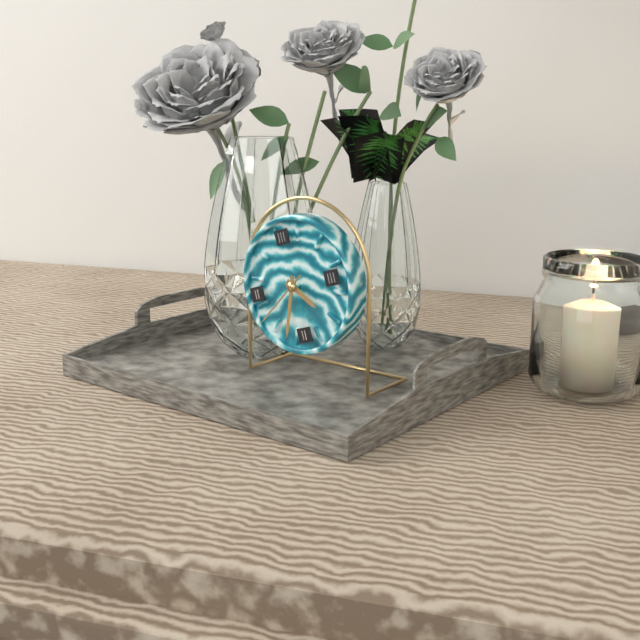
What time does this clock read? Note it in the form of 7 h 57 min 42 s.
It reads 4 h 34 min 40 s
